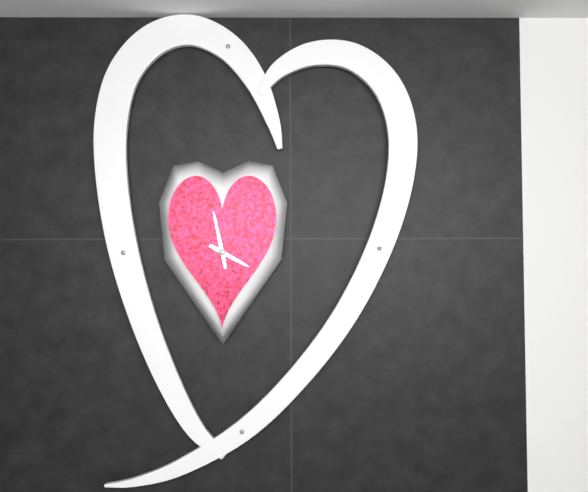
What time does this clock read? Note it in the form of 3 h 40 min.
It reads 3 h 58 min
